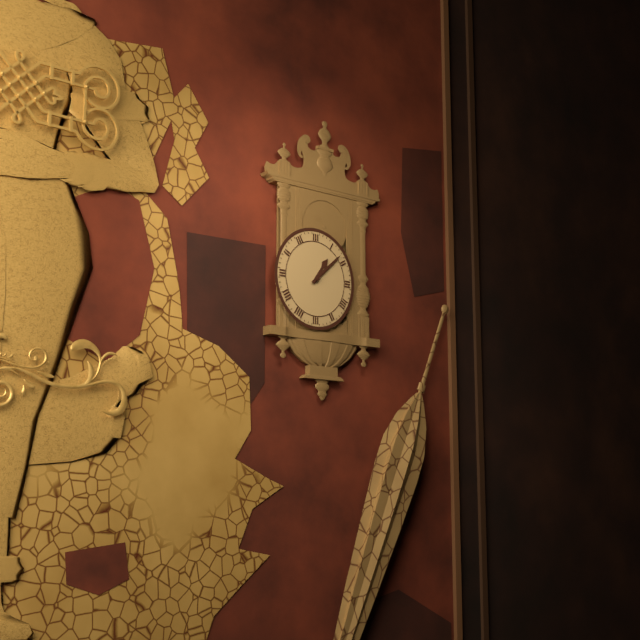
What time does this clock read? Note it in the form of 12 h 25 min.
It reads 1 h 08 min
